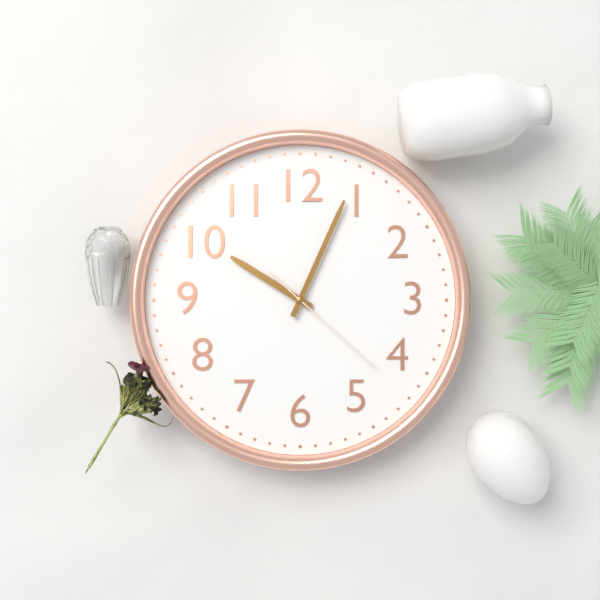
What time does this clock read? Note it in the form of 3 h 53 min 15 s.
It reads 10 h 04 min 22 s
